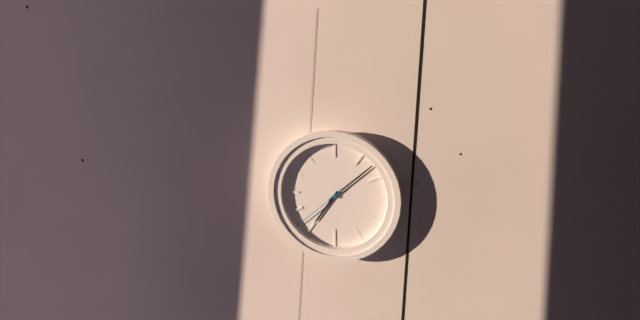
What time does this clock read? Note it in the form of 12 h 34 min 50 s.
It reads 7 h 08 min 38 s
